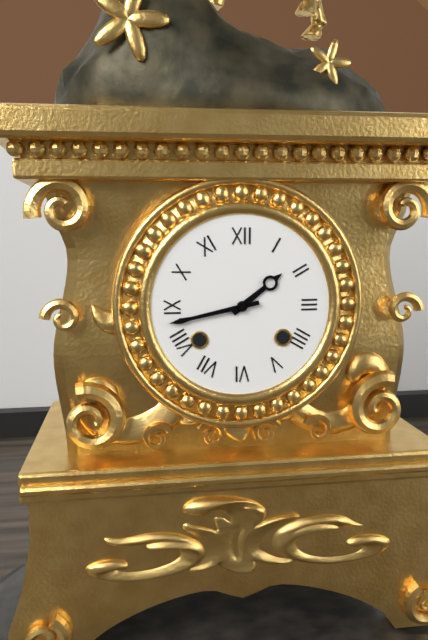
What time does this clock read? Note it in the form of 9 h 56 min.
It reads 1 h 43 min
